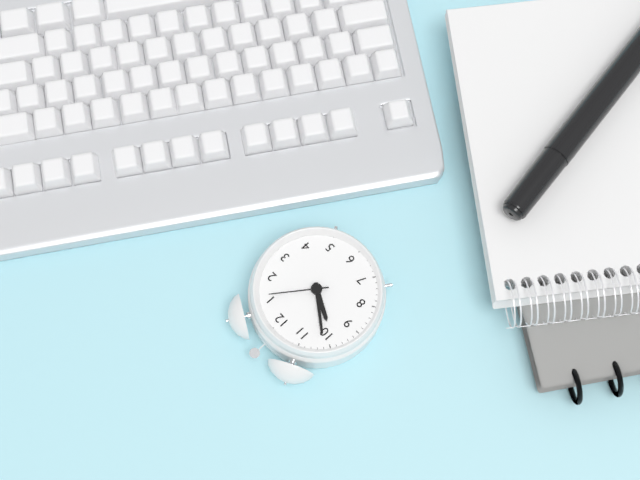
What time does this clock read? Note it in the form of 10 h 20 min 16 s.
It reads 9 h 51 min 06 s
